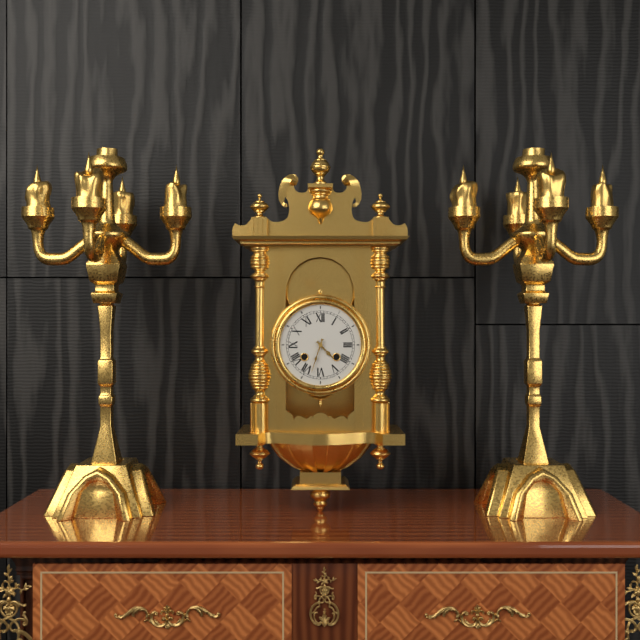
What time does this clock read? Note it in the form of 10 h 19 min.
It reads 4 h 33 min
